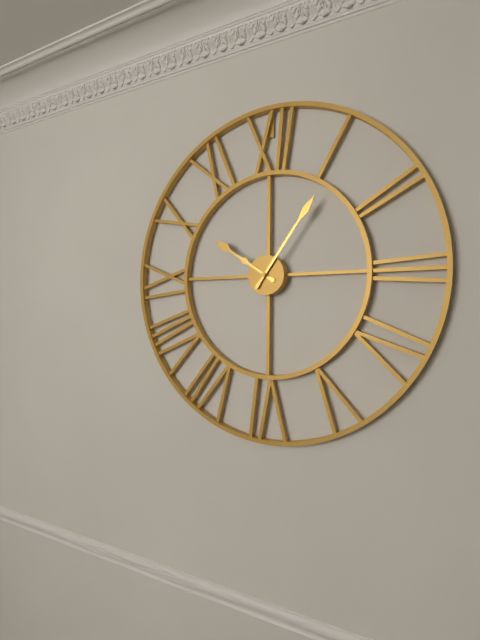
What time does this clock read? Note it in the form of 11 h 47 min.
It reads 10 h 06 min
